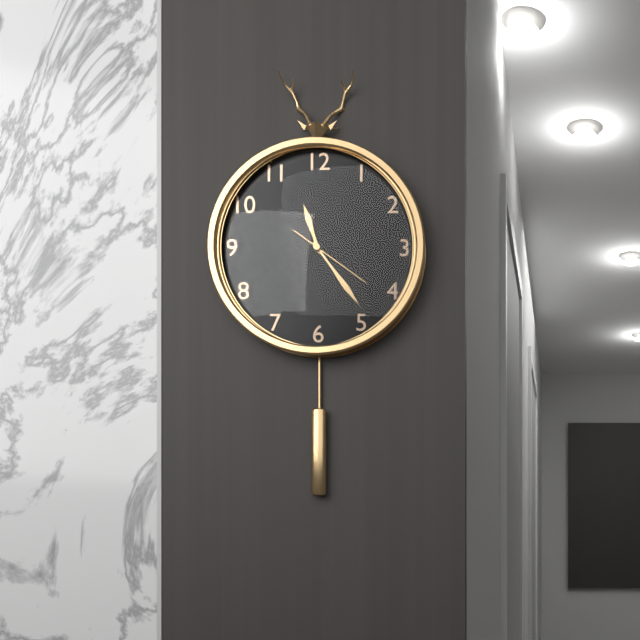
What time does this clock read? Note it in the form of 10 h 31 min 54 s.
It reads 11 h 24 min 21 s
